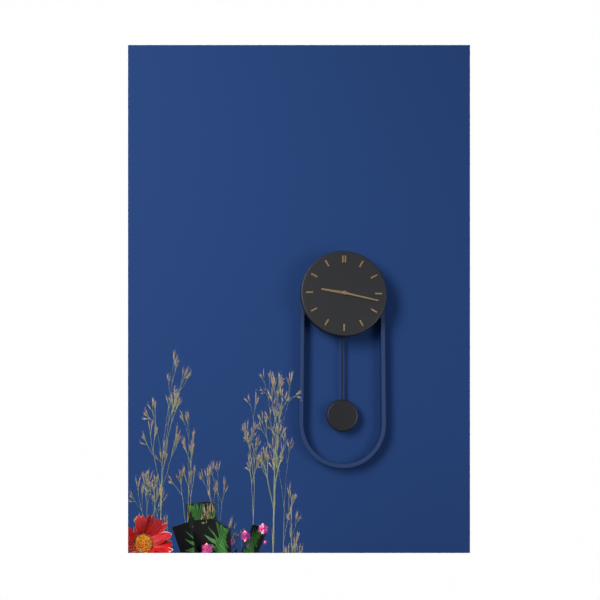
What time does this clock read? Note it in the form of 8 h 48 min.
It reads 9 h 17 min
